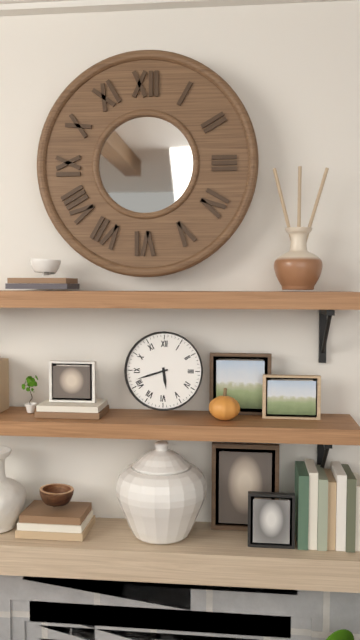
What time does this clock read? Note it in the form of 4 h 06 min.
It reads 5 h 42 min
